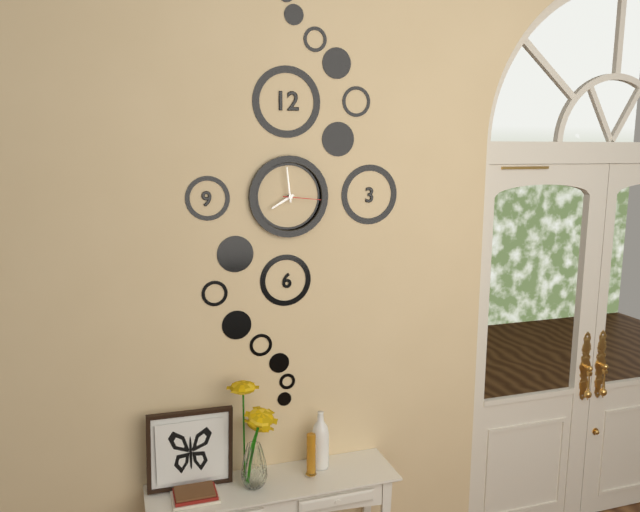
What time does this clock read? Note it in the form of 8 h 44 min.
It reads 7 h 59 min
